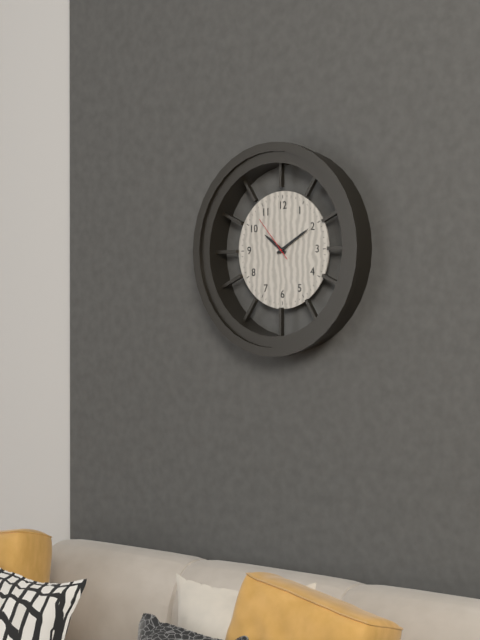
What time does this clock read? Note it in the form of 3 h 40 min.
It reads 10 h 10 min
